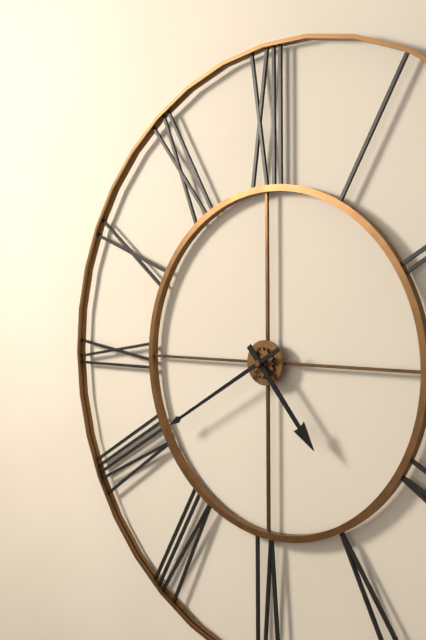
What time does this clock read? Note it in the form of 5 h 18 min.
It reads 4 h 40 min
